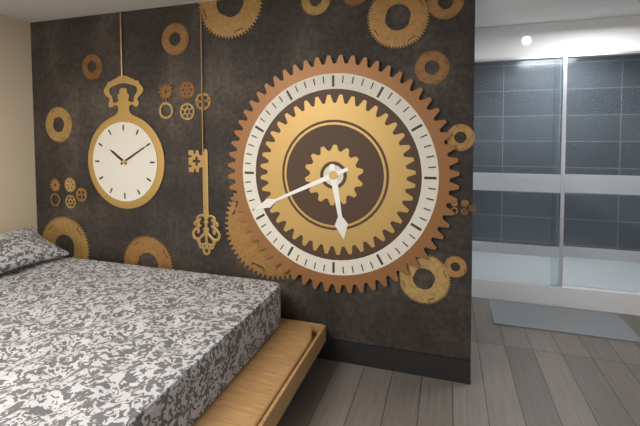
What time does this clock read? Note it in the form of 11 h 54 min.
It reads 5 h 41 min
